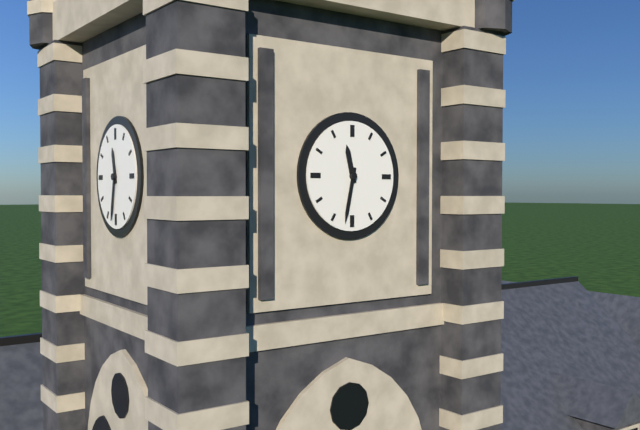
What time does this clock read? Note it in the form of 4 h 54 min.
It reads 11 h 32 min
